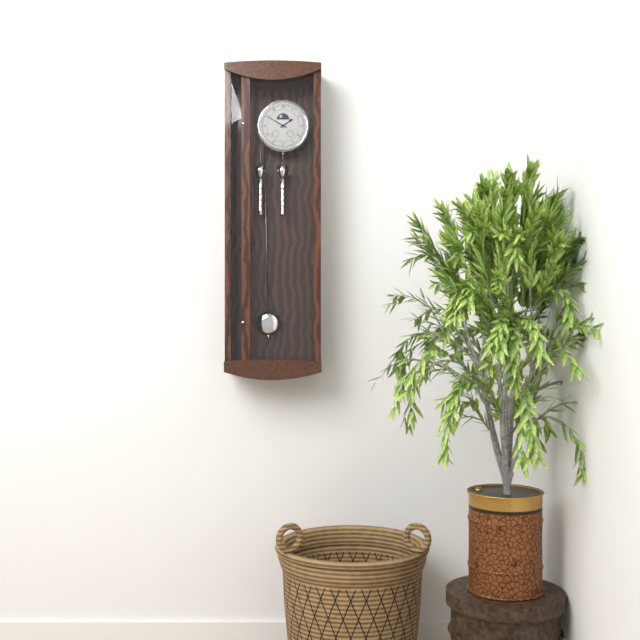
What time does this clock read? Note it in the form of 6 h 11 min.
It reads 1 h 50 min
